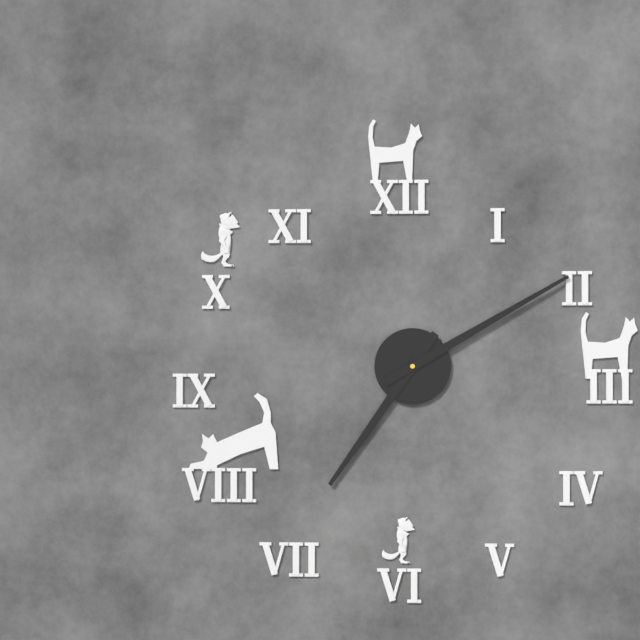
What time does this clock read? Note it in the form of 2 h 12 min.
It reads 7 h 10 min
